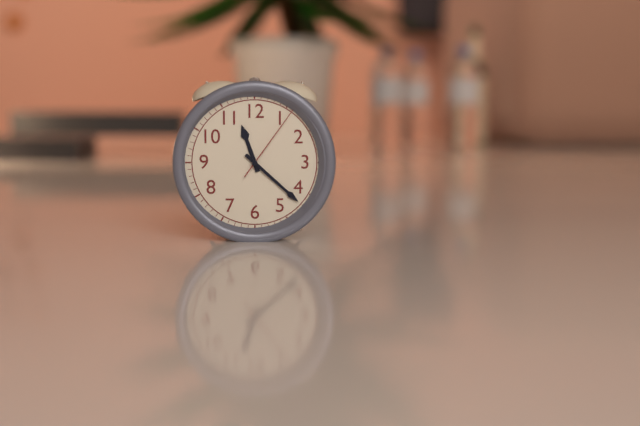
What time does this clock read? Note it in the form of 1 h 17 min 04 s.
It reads 11 h 22 min 06 s
